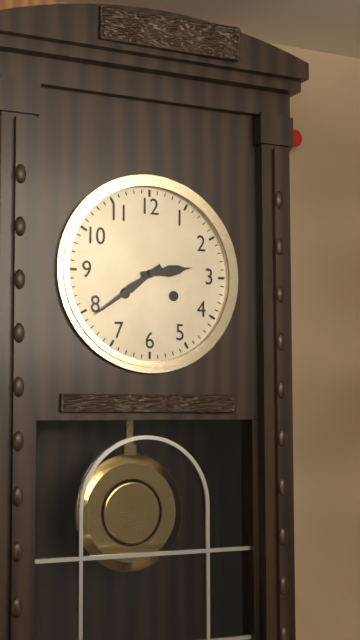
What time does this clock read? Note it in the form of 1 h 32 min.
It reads 2 h 39 min
